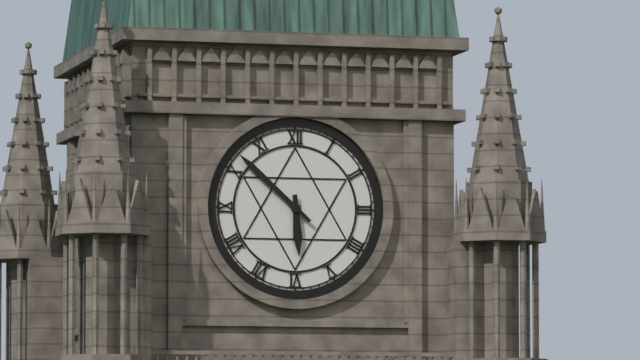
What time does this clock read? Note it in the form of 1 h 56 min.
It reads 5 h 52 min
